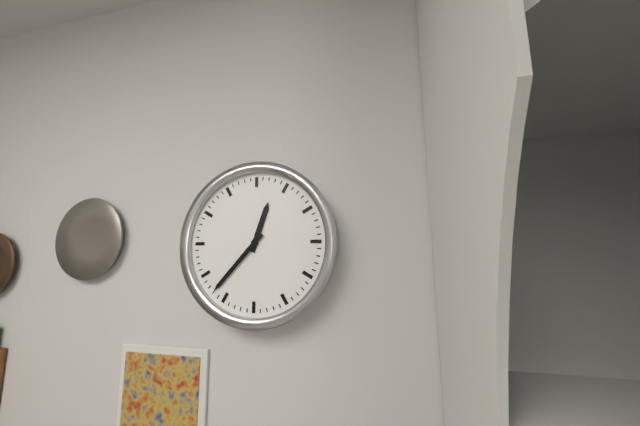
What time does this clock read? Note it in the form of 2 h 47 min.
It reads 12 h 37 min
